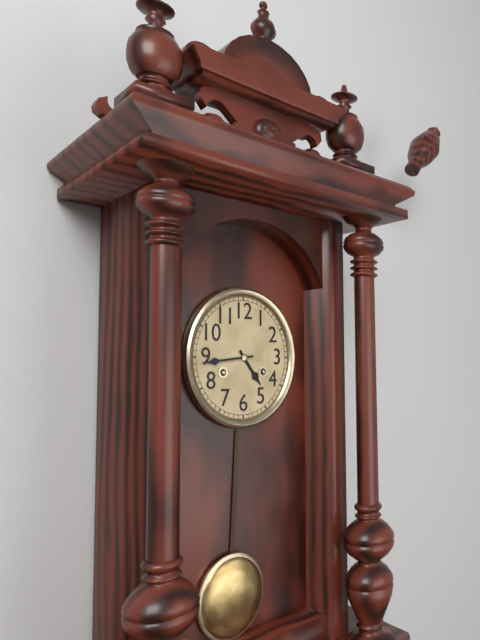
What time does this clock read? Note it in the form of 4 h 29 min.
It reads 4 h 44 min
